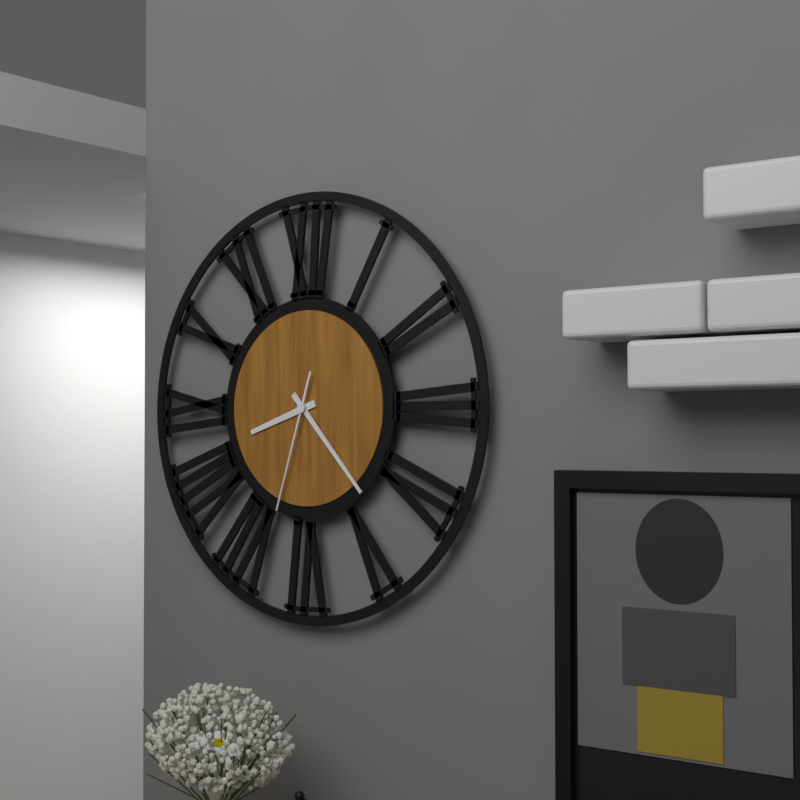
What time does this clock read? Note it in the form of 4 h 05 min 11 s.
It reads 8 h 23 min 33 s
